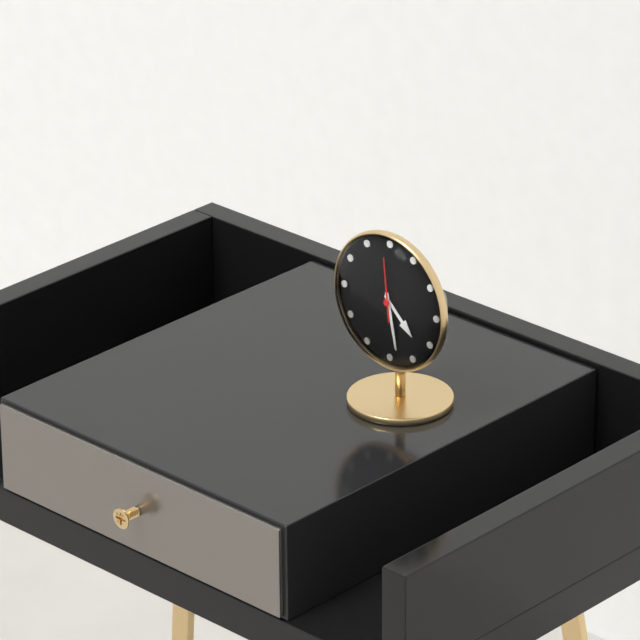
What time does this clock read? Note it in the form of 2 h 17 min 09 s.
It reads 4 h 28 min 59 s
